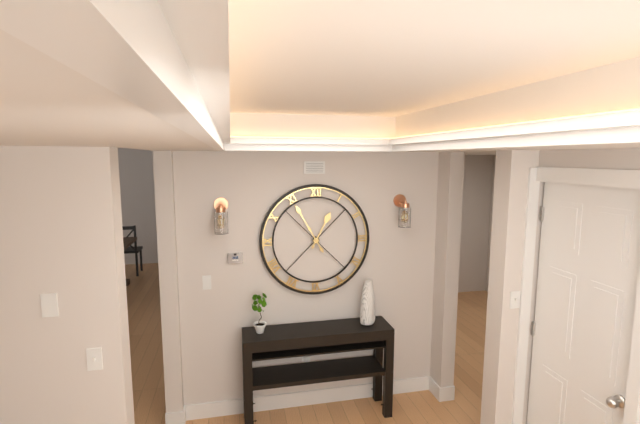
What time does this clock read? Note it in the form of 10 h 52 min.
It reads 12 h 55 min
